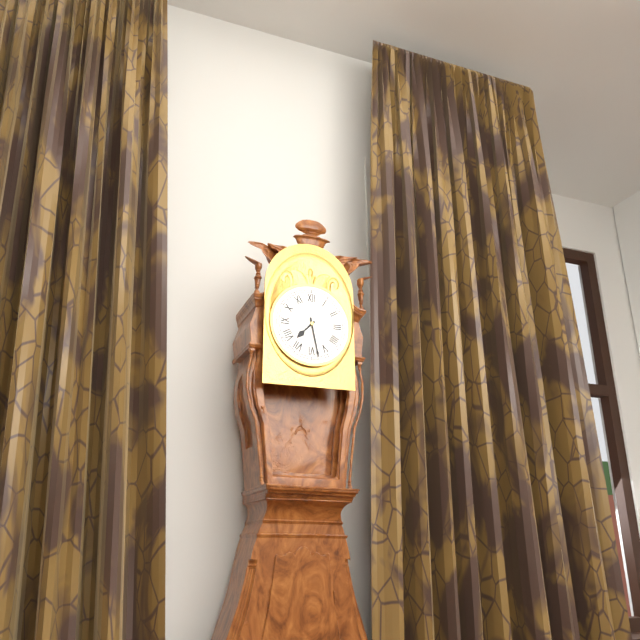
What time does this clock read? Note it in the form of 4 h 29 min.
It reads 7 h 28 min
